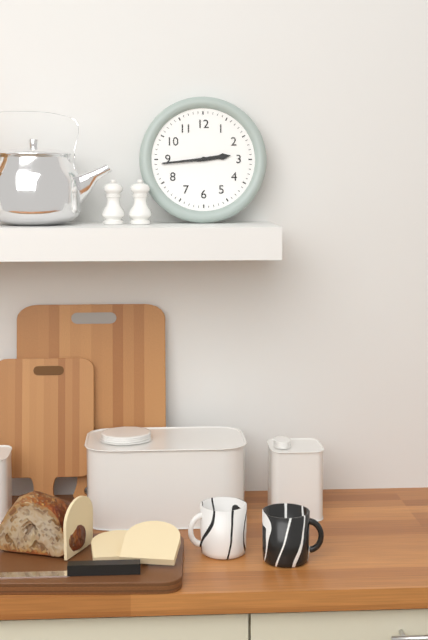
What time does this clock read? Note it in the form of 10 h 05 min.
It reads 2 h 44 min
